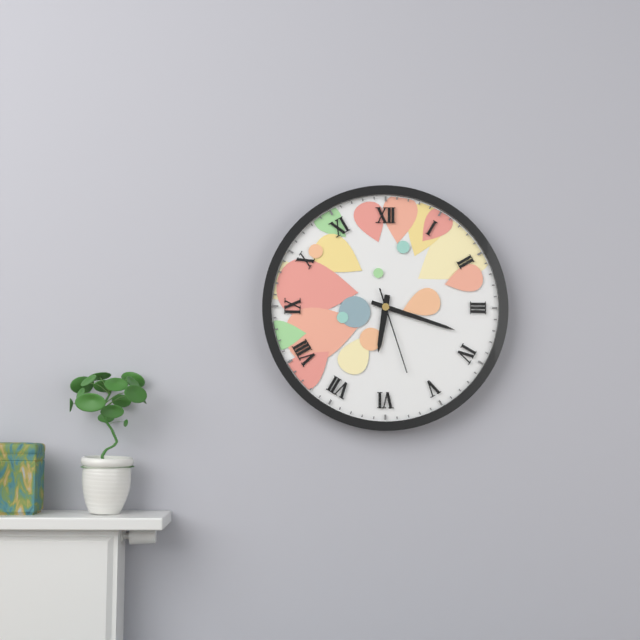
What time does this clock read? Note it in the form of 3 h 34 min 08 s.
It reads 6 h 18 min 27 s
